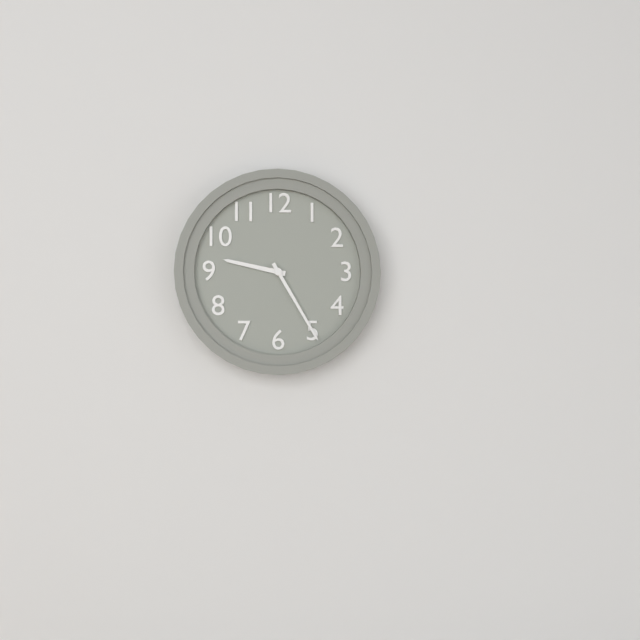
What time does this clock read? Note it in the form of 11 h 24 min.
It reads 9 h 25 min
